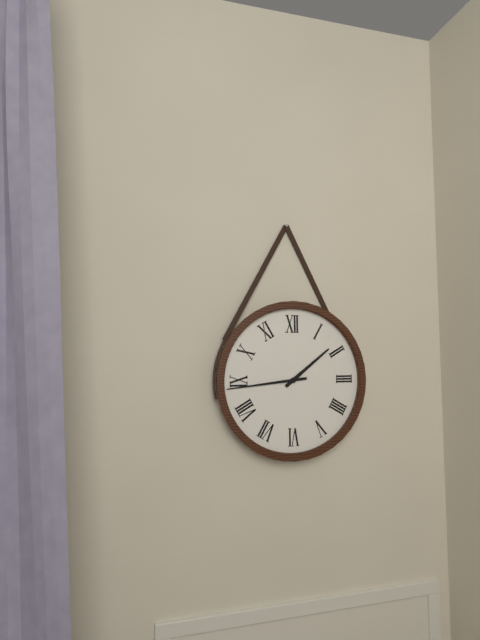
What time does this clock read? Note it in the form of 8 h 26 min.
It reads 1 h 44 min
